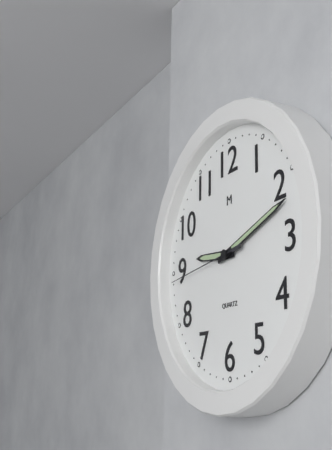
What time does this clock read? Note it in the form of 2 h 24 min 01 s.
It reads 9 h 12 min 44 s
